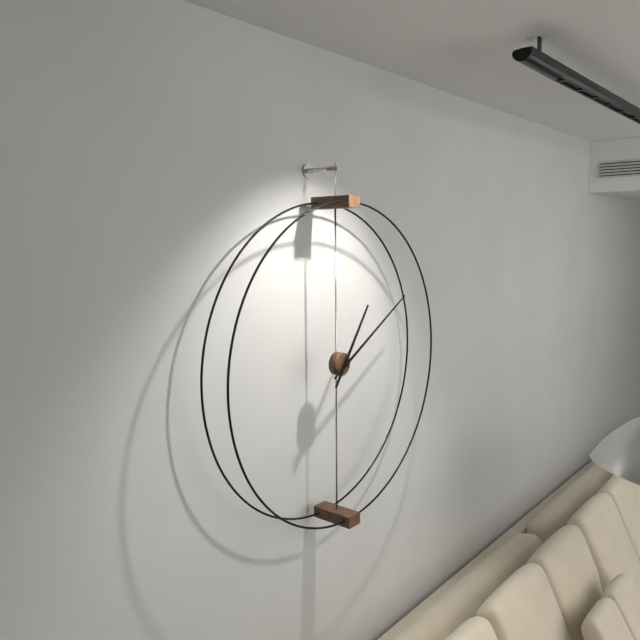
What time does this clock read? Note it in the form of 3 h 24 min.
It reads 1 h 10 min
